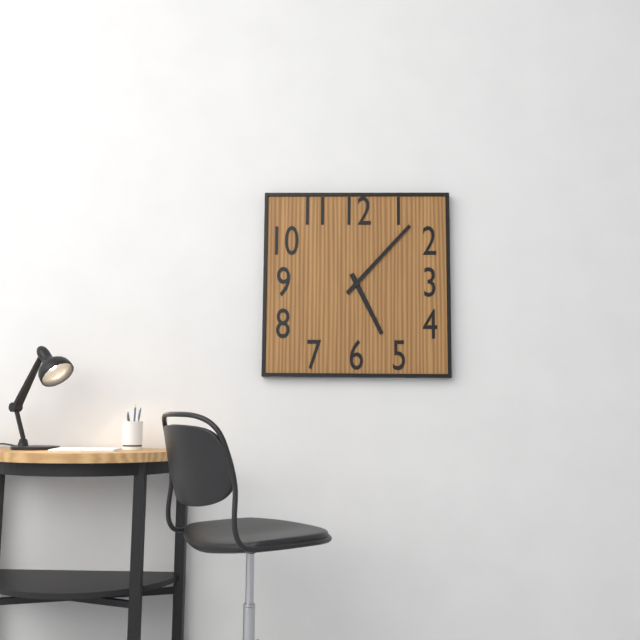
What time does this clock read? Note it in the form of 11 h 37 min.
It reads 5 h 07 min
